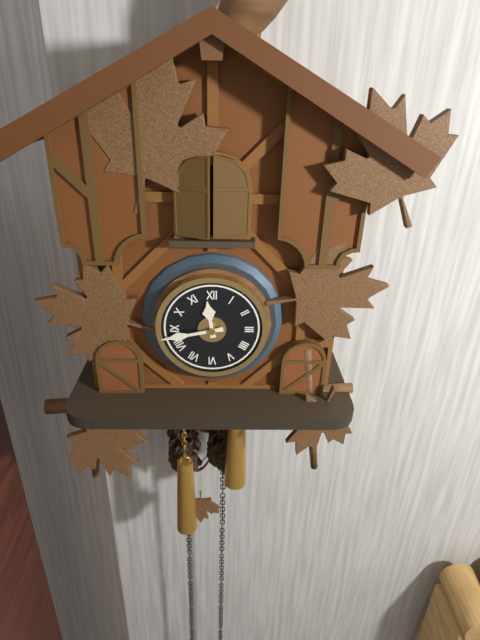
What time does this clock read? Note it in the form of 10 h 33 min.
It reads 11 h 43 min
